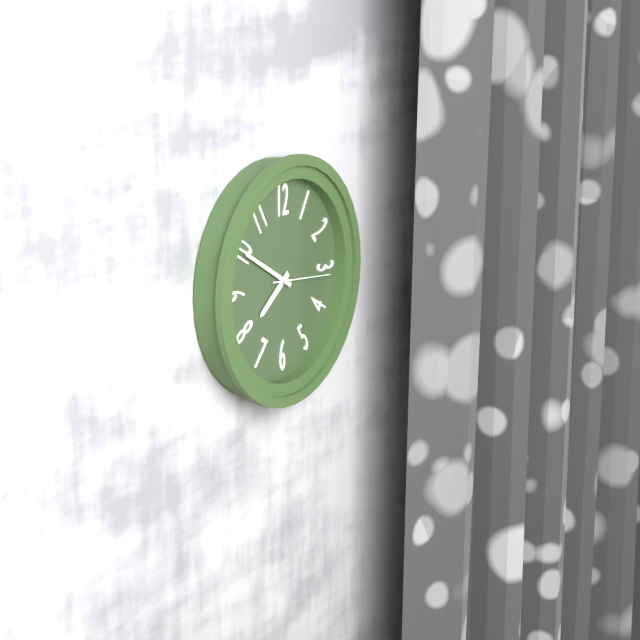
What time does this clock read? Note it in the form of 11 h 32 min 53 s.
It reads 7 h 50 min 16 s
